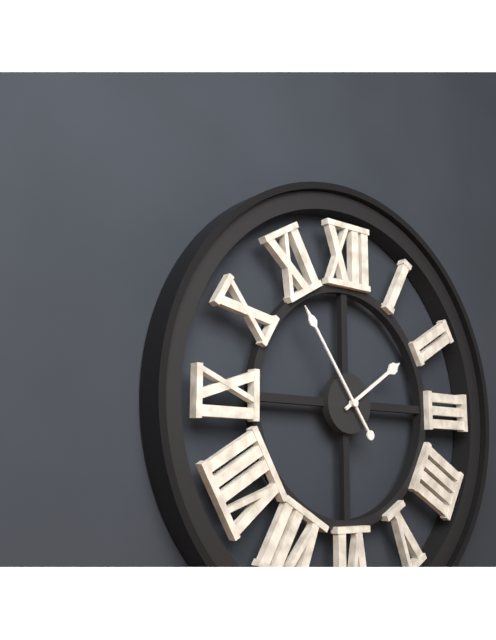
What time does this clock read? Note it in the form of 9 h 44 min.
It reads 1 h 54 min
